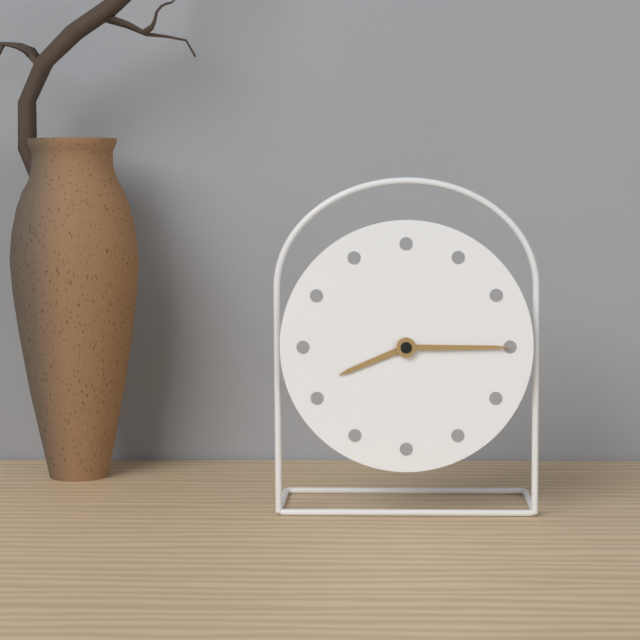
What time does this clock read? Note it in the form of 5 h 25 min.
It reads 8 h 15 min
